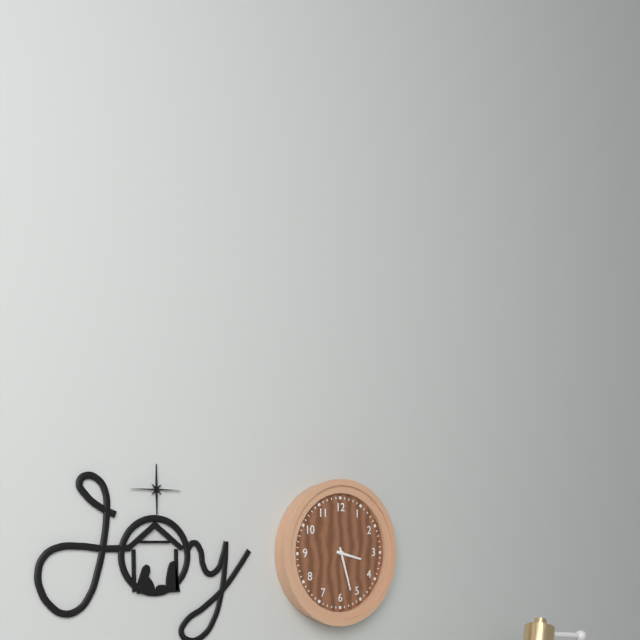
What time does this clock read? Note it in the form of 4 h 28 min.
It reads 3 h 27 min
